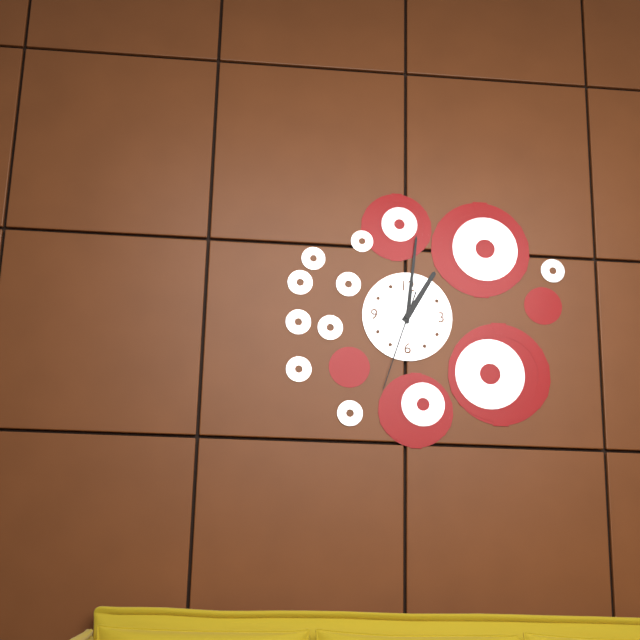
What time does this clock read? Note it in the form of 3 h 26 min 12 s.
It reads 1 h 01 min 33 s
